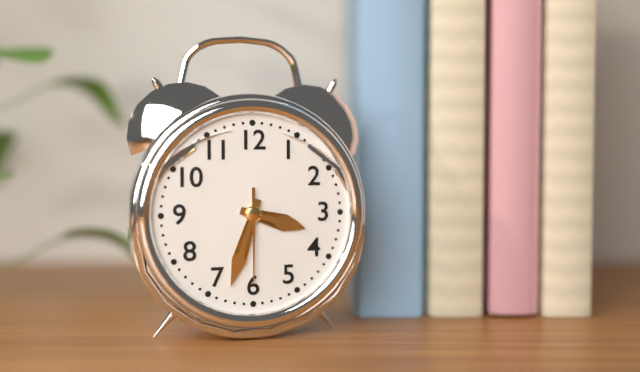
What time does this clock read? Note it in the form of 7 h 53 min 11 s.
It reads 3 h 33 min 30 s
